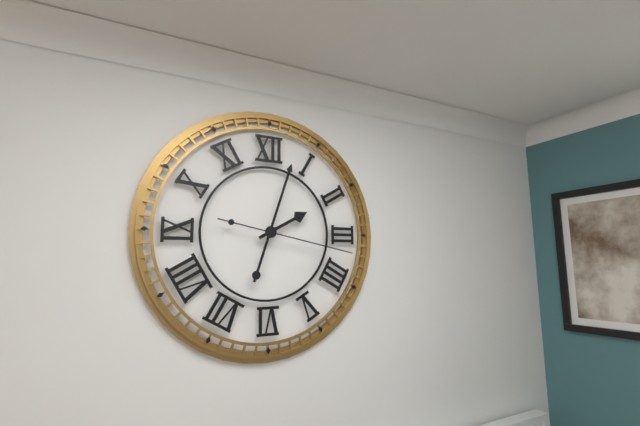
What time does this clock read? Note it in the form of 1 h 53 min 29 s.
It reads 2 h 03 min 17 s
